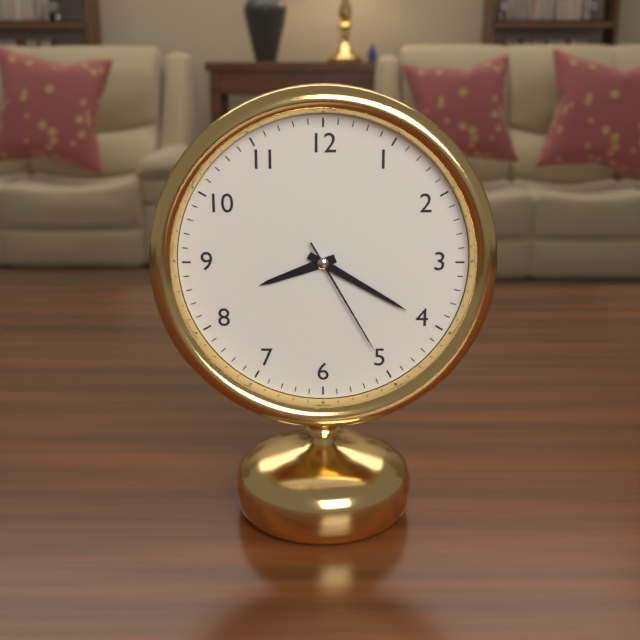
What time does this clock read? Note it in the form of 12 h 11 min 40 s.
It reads 8 h 20 min 25 s
